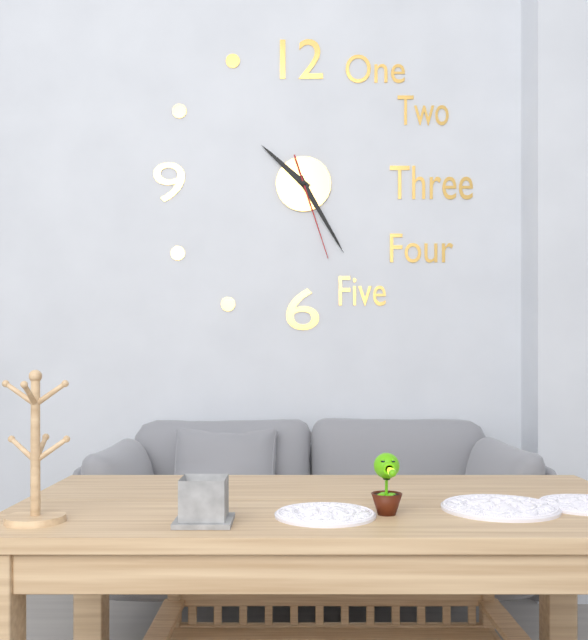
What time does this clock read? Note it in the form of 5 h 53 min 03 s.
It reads 10 h 25 min 27 s
